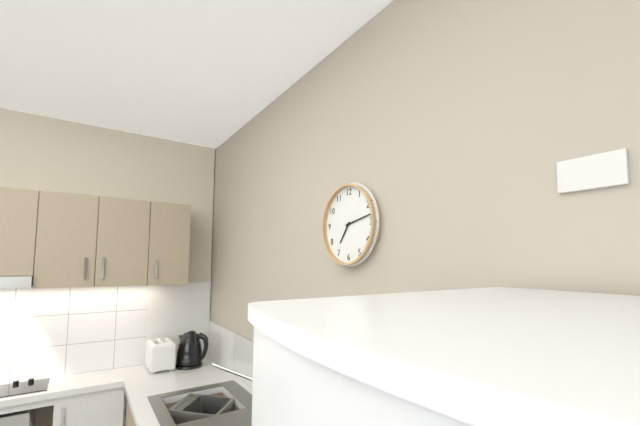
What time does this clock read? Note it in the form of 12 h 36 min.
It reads 7 h 13 min
